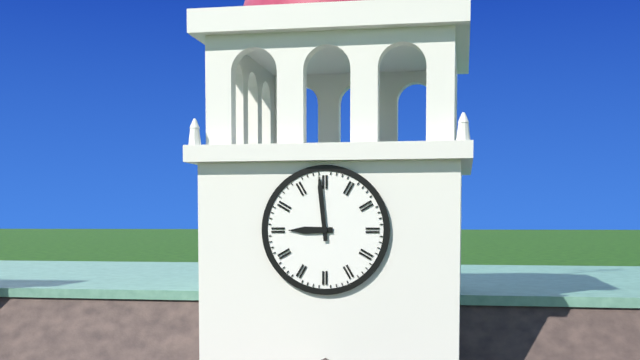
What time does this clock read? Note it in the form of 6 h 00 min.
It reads 8 h 59 min
